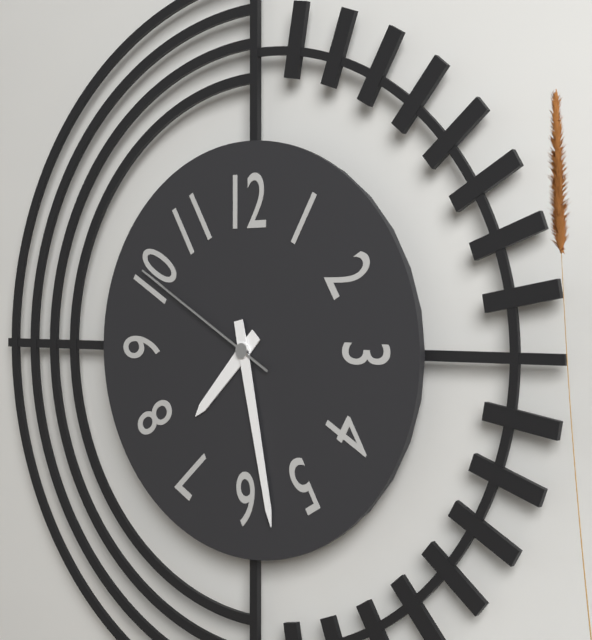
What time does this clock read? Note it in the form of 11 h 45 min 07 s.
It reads 7 h 28 min 50 s
